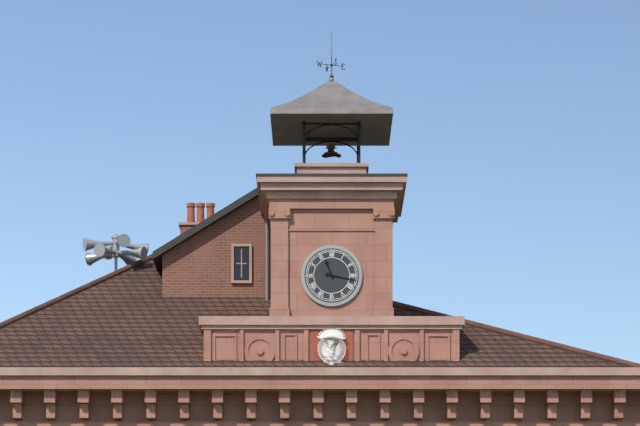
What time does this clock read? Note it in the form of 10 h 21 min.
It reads 11 h 17 min
